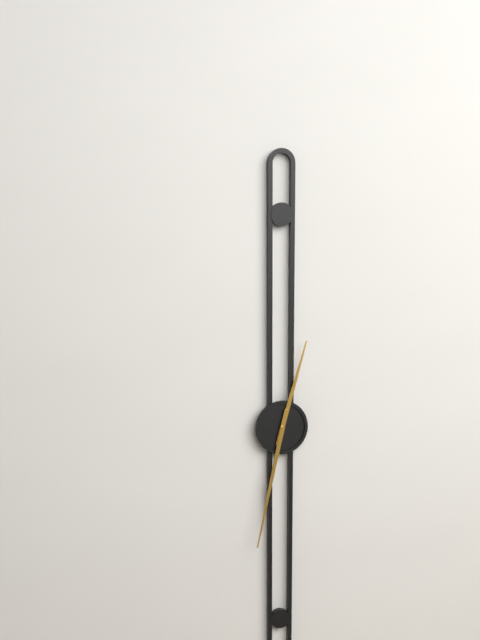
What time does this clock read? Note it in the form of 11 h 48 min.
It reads 12 h 32 min
